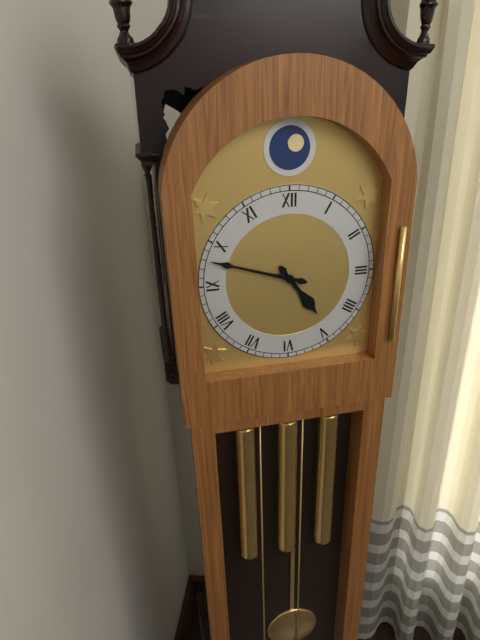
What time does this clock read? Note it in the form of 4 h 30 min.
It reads 4 h 48 min
